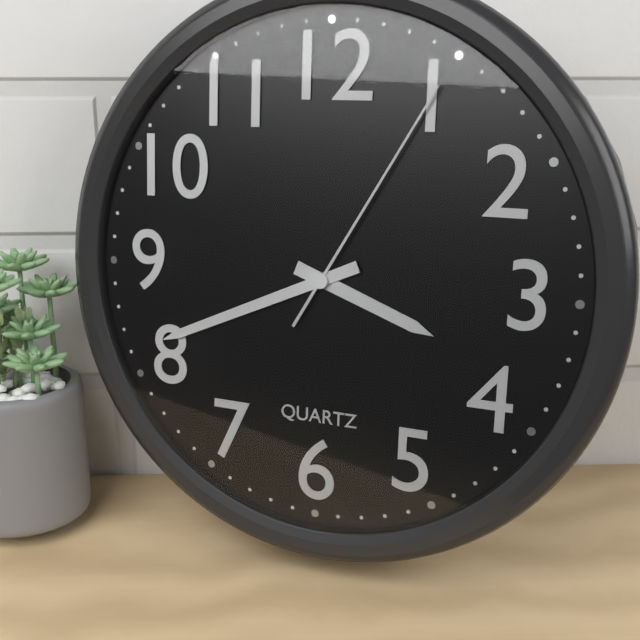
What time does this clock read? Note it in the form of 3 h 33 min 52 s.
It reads 3 h 41 min 05 s
